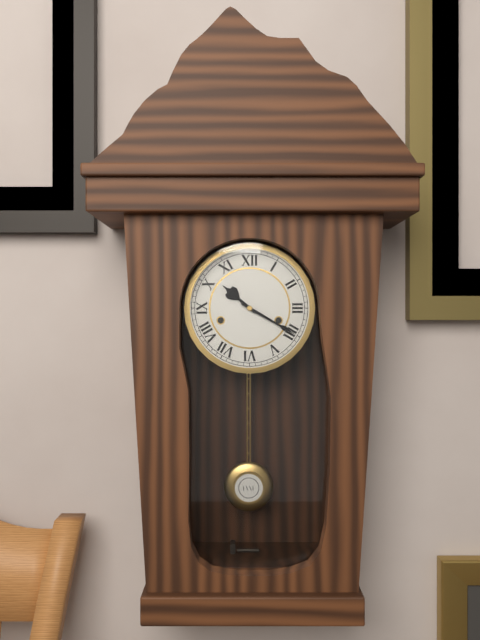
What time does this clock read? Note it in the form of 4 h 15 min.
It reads 10 h 20 min
